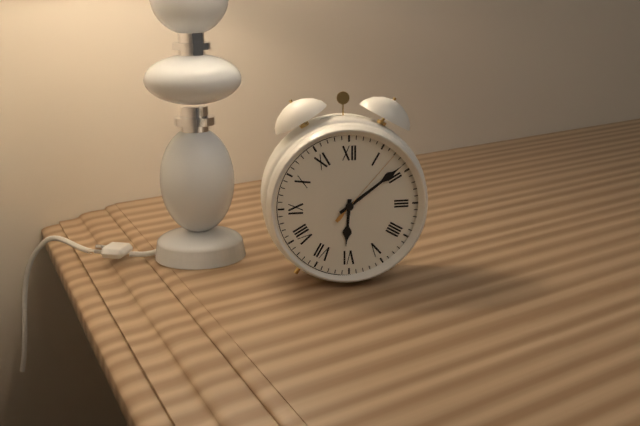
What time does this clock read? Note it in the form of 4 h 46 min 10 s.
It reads 6 h 09 min 07 s
